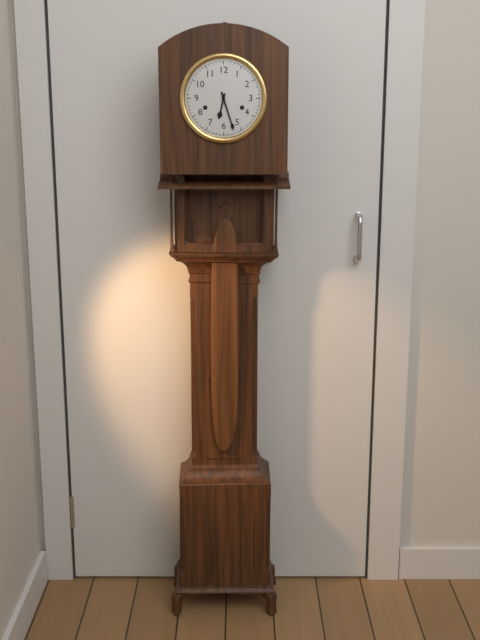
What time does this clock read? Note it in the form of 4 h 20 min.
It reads 6 h 27 min
